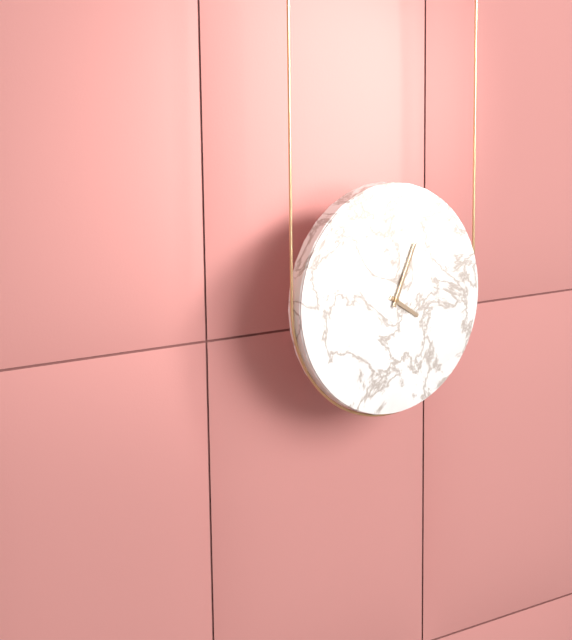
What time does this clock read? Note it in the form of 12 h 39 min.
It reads 4 h 04 min
